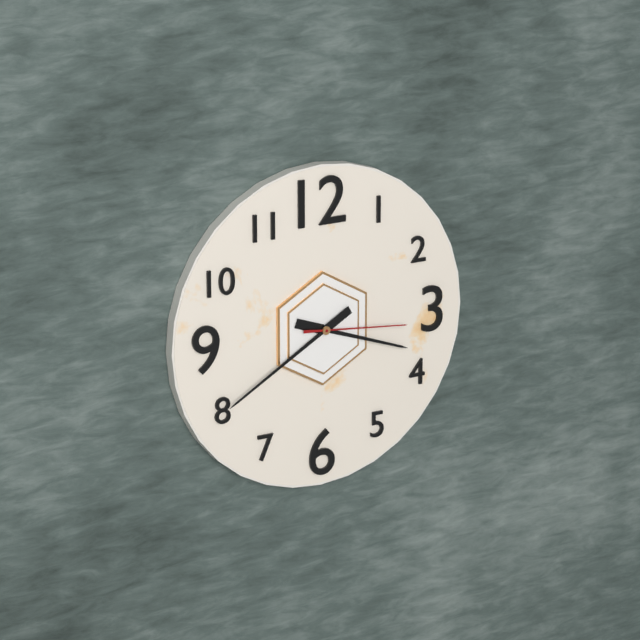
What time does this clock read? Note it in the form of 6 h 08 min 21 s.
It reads 3 h 40 min 16 s
